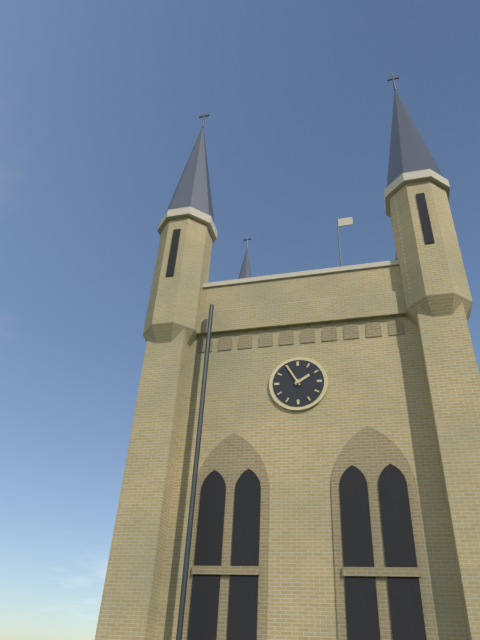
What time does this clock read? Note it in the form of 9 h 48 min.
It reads 1 h 55 min
